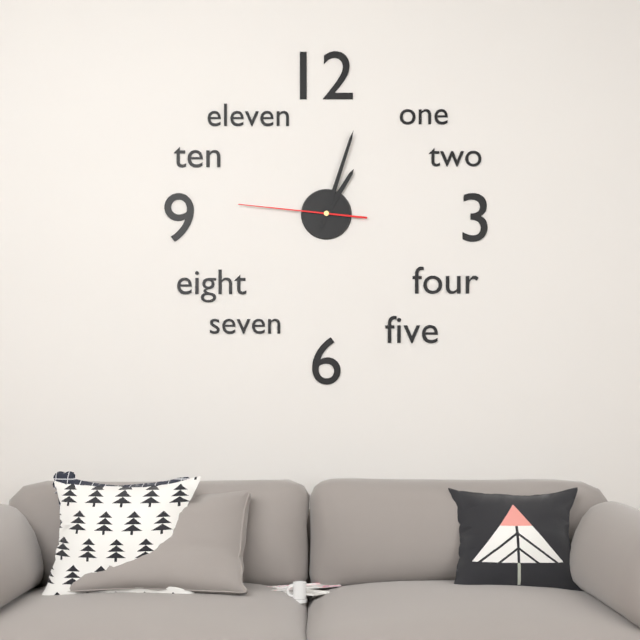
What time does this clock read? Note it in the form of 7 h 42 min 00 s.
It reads 1 h 03 min 46 s
